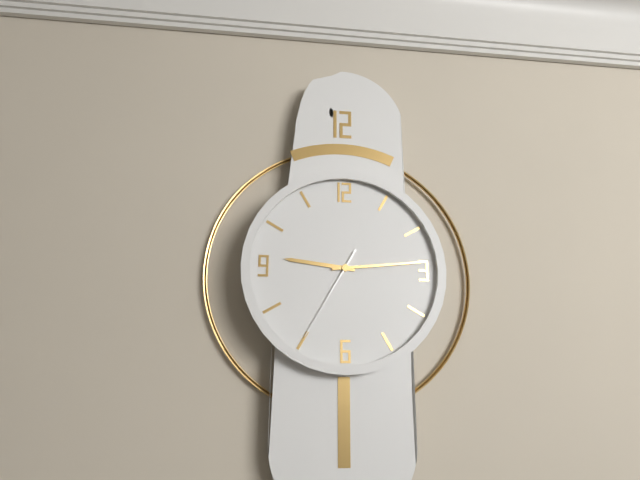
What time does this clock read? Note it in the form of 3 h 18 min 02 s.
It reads 9 h 14 min 35 s
